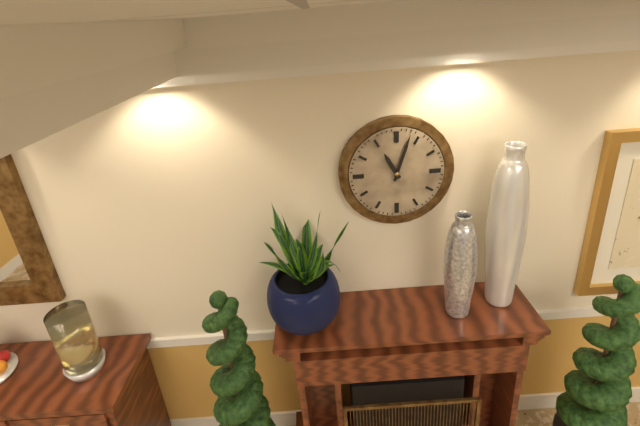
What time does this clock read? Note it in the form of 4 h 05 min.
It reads 11 h 03 min
